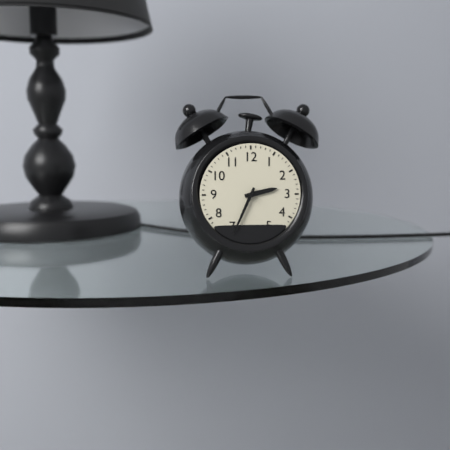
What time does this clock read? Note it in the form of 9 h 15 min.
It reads 2 h 34 min
